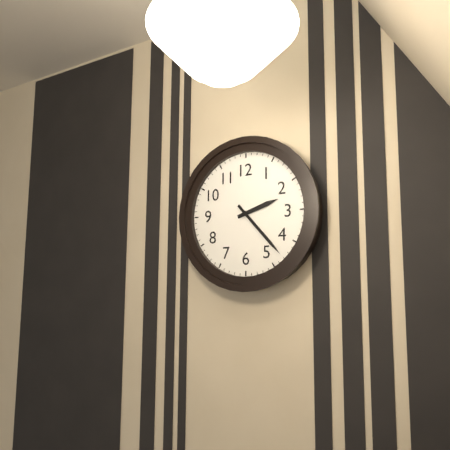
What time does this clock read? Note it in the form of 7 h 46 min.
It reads 2 h 23 min
